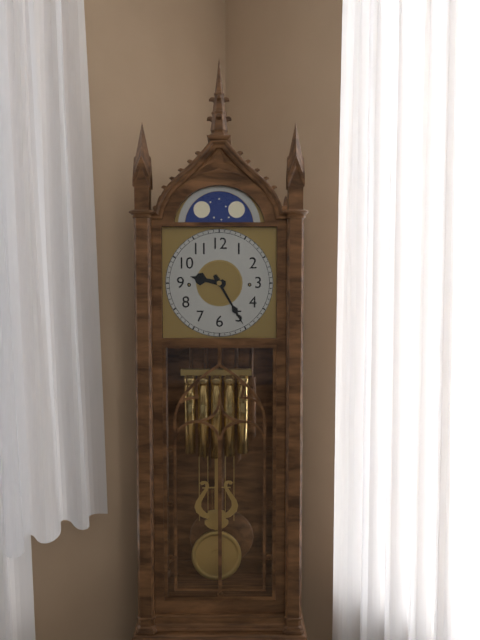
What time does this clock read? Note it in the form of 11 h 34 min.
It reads 9 h 25 min
